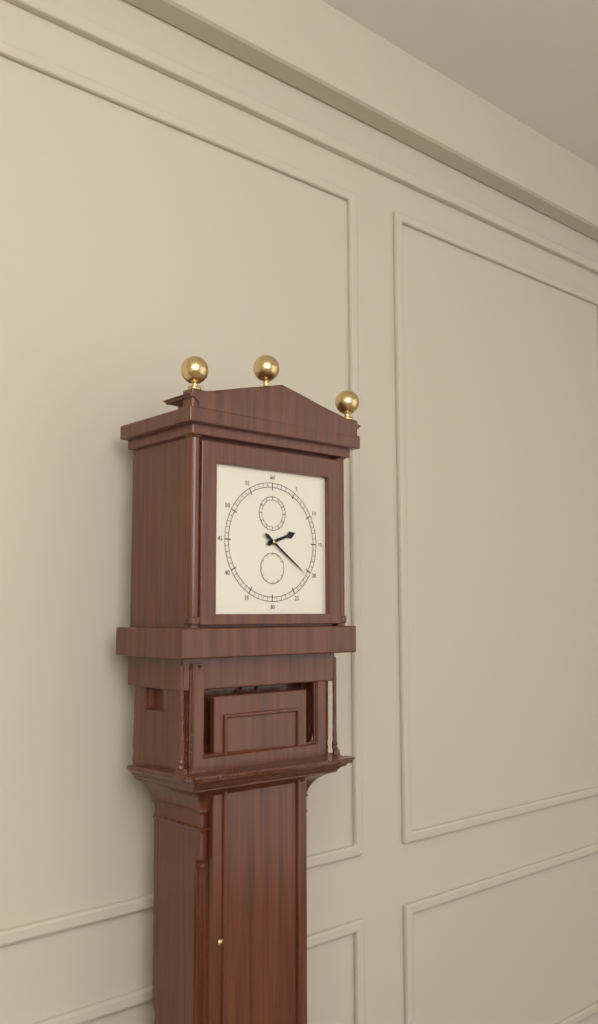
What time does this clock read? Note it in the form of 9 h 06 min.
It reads 2 h 21 min
